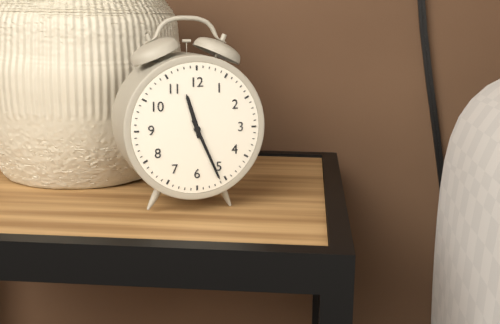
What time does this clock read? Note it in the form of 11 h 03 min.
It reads 11 h 26 min
